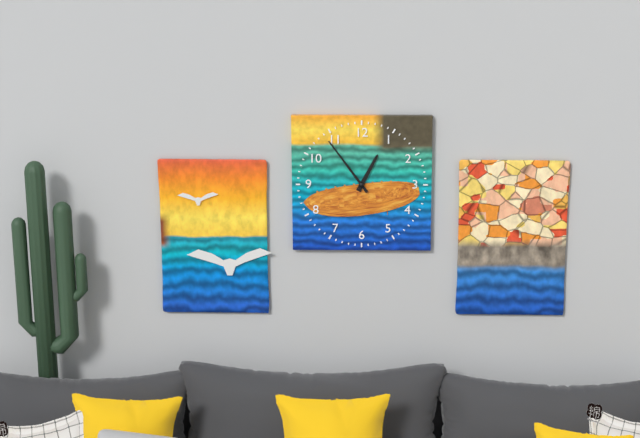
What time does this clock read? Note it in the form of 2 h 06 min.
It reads 12 h 54 min
